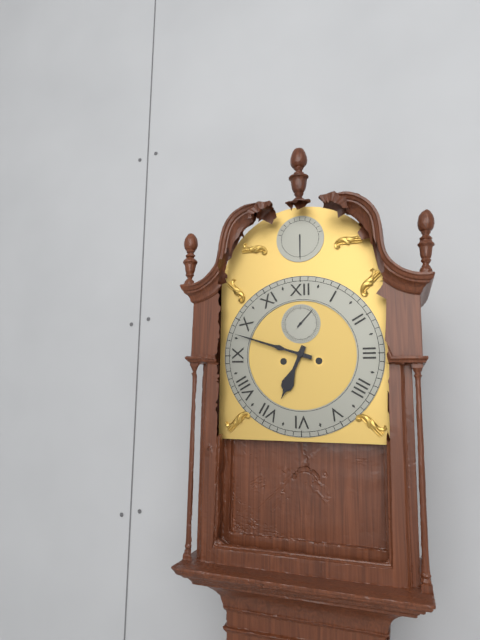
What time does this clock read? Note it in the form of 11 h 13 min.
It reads 6 h 48 min
